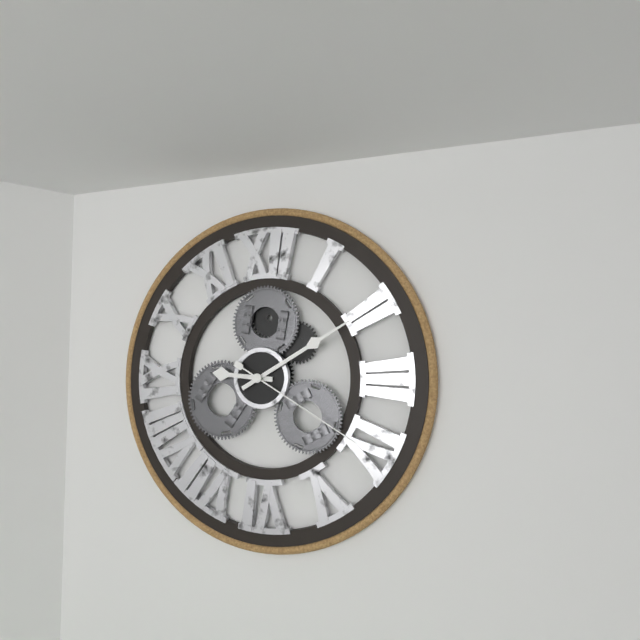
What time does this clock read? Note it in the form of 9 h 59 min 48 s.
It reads 9 h 10 min 20 s
